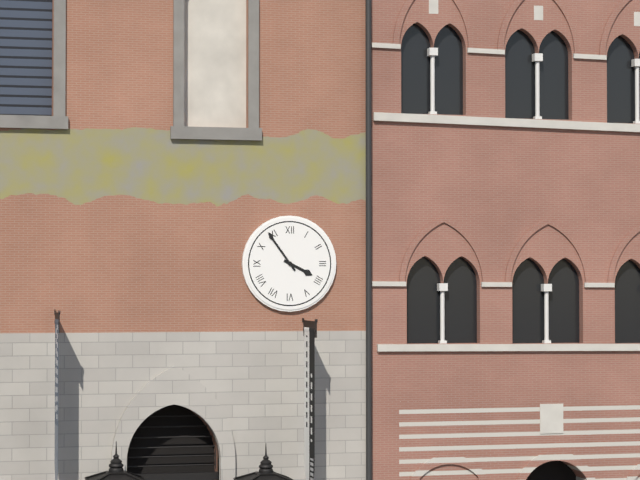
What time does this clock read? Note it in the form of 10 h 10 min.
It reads 3 h 54 min
